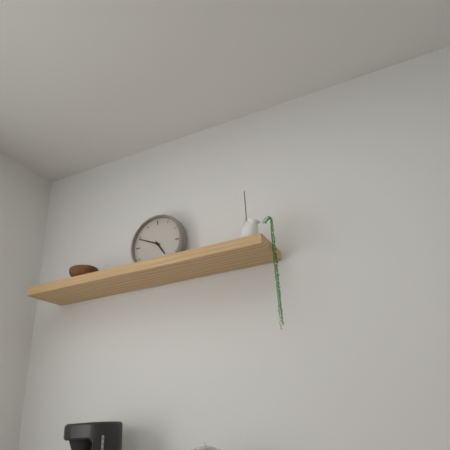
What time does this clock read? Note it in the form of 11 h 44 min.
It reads 4 h 49 min
